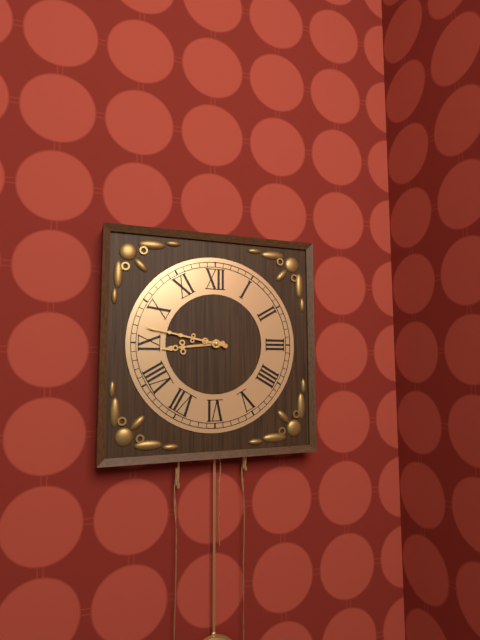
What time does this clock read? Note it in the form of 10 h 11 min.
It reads 8 h 47 min
